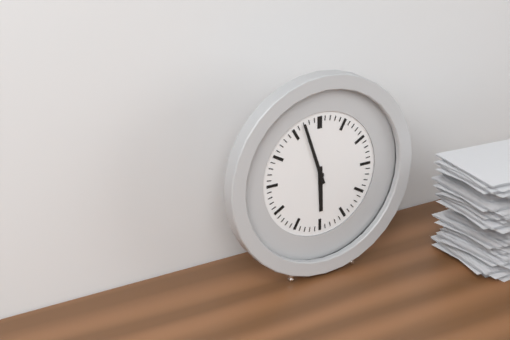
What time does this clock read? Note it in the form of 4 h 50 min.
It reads 5 h 57 min
